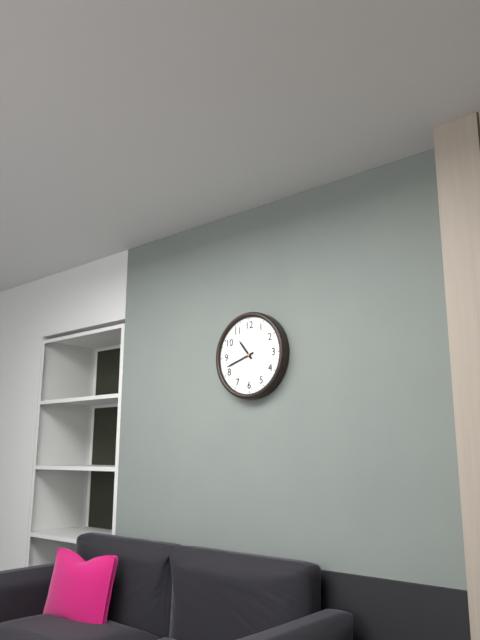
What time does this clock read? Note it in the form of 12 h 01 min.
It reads 10 h 42 min
